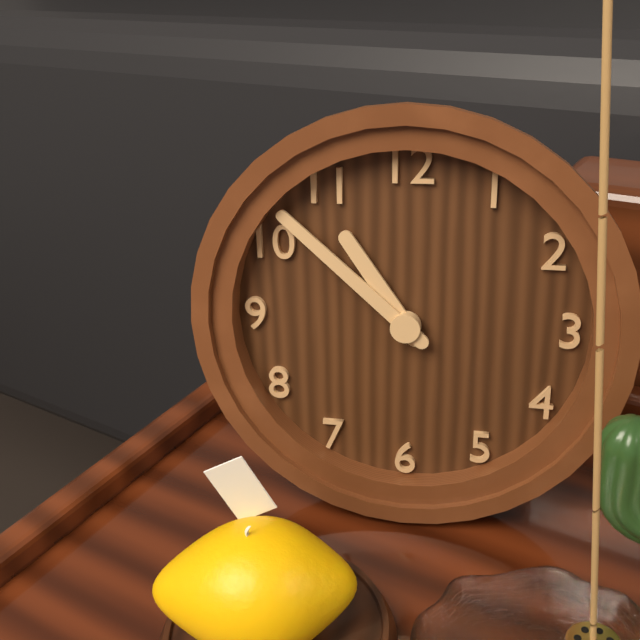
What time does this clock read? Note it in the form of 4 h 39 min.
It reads 10 h 52 min
